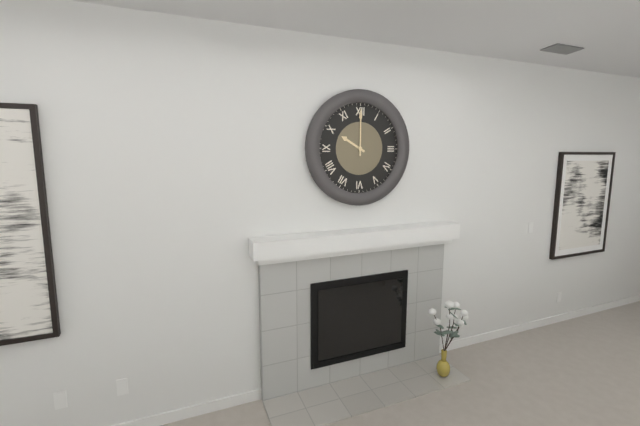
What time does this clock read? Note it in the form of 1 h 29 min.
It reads 10 h 00 min
